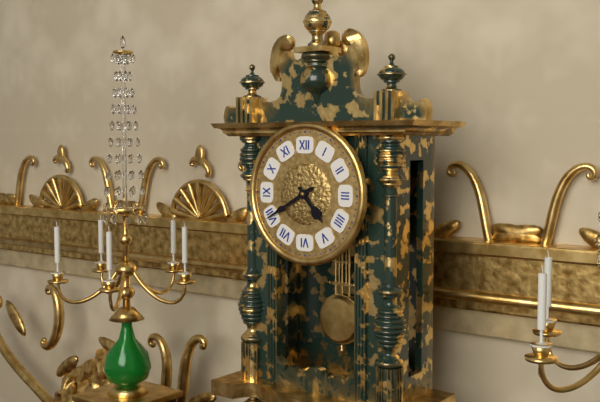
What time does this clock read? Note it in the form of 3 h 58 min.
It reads 4 h 40 min
